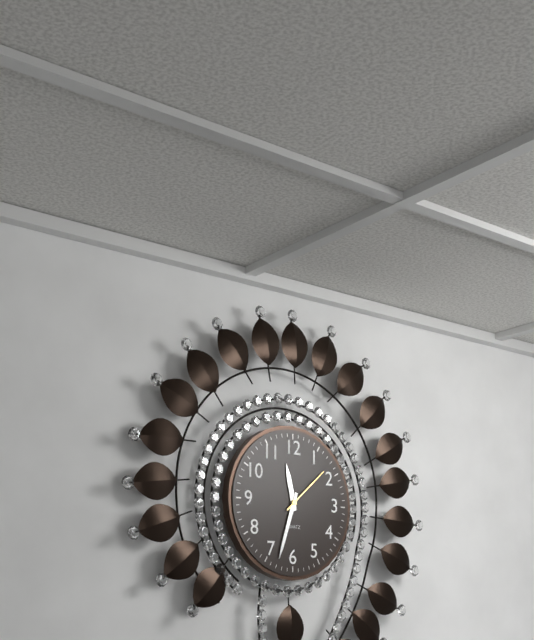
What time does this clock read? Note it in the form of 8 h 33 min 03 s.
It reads 11 h 33 min 08 s
